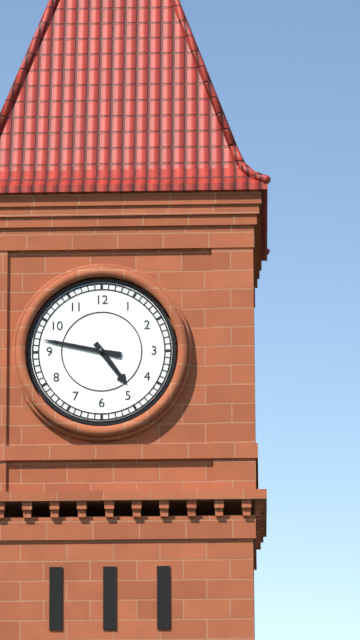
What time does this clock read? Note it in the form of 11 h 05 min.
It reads 4 h 47 min
